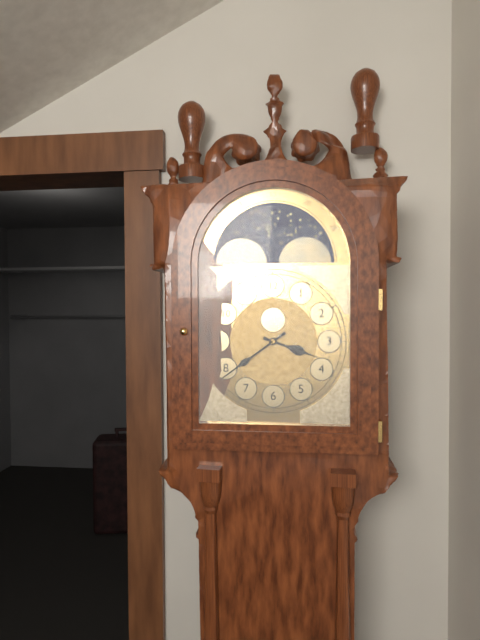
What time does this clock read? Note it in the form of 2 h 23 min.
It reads 3 h 39 min
